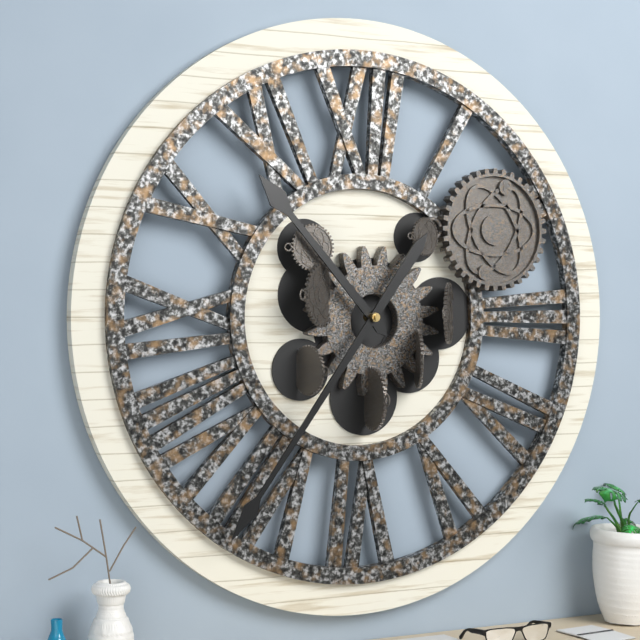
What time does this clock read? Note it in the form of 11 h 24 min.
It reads 10 h 36 min
